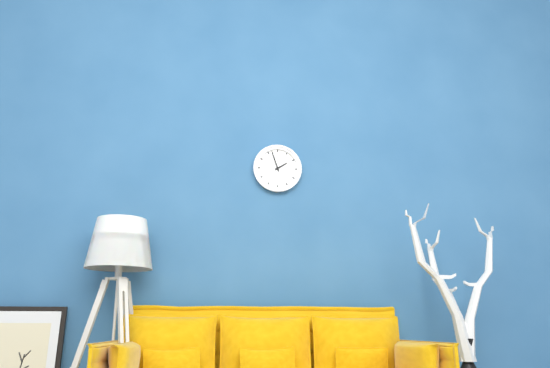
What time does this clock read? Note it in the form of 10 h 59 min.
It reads 1 h 57 min
